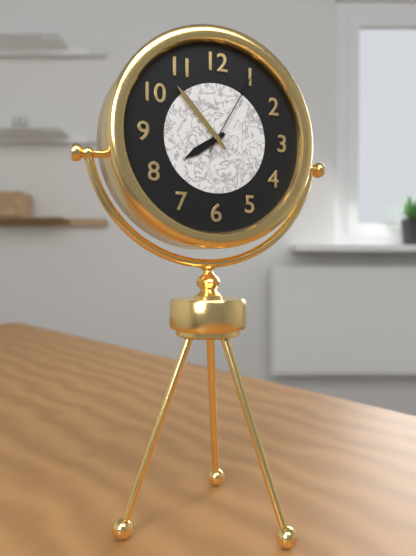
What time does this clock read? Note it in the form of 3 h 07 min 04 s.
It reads 7 h 53 min 05 s
